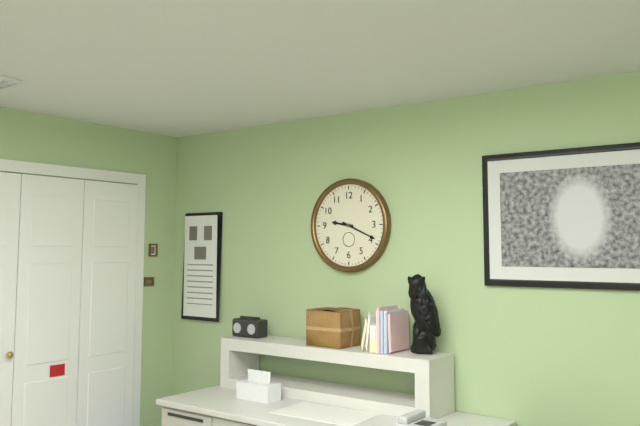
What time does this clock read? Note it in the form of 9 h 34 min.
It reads 9 h 19 min
